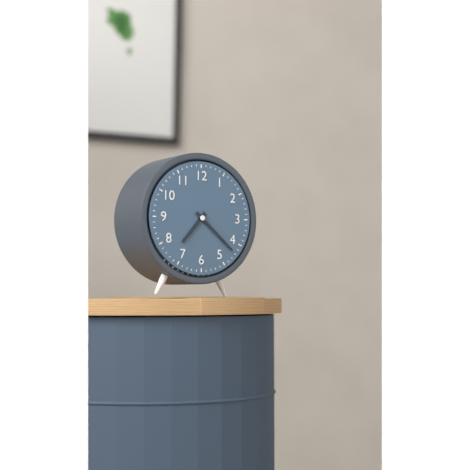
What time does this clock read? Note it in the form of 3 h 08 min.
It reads 7 h 22 min
